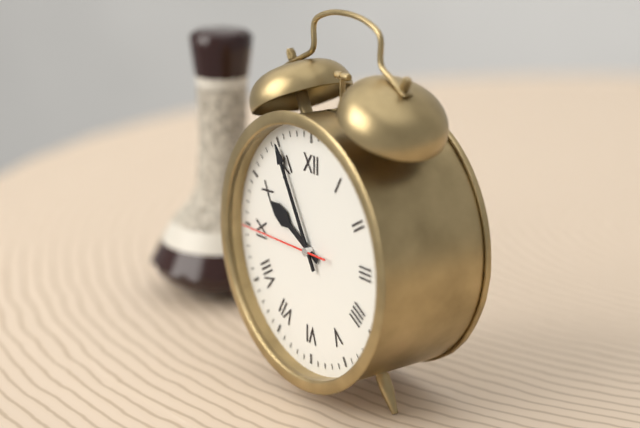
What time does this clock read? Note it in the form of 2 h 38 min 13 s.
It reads 9 h 55 min 45 s
